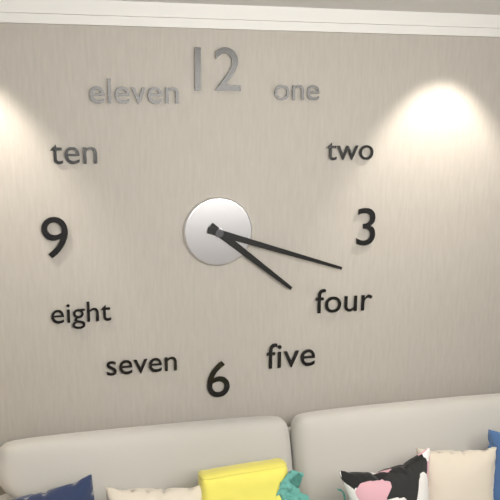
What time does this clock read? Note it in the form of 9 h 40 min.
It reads 4 h 18 min
